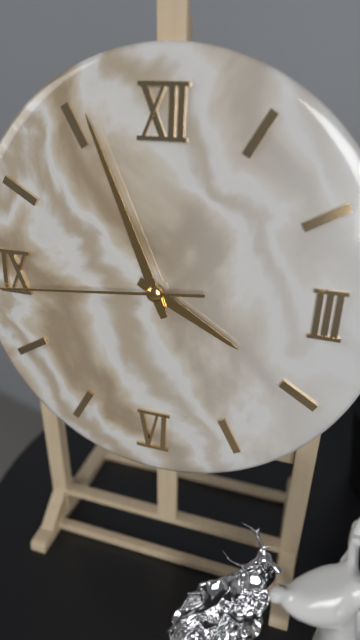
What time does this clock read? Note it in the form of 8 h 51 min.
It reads 3 h 56 min
